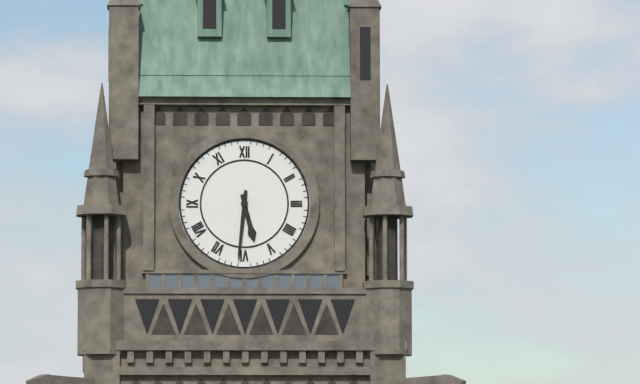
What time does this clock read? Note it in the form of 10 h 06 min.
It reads 5 h 31 min
